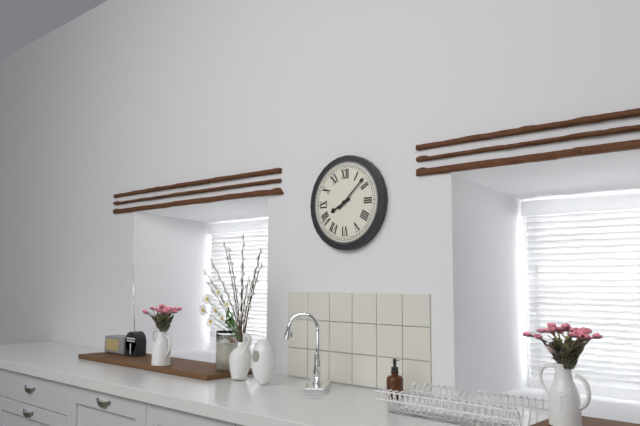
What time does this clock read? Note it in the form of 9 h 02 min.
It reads 8 h 08 min
